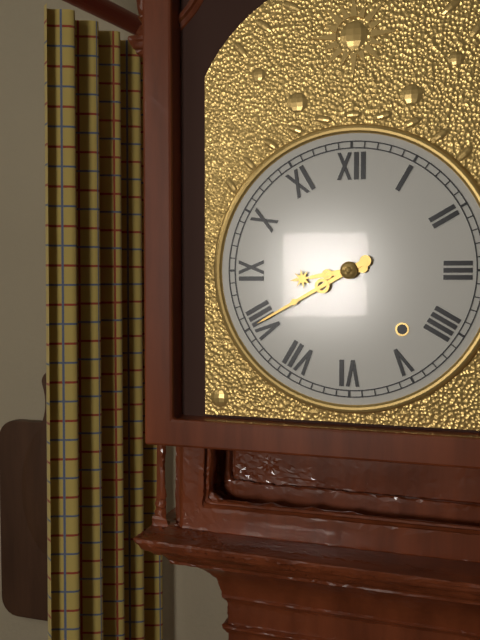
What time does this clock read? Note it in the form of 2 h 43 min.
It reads 8 h 40 min
